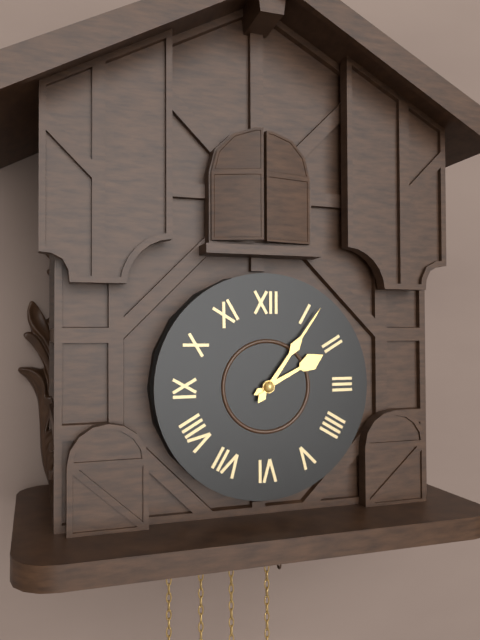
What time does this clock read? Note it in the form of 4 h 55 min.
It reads 2 h 06 min
